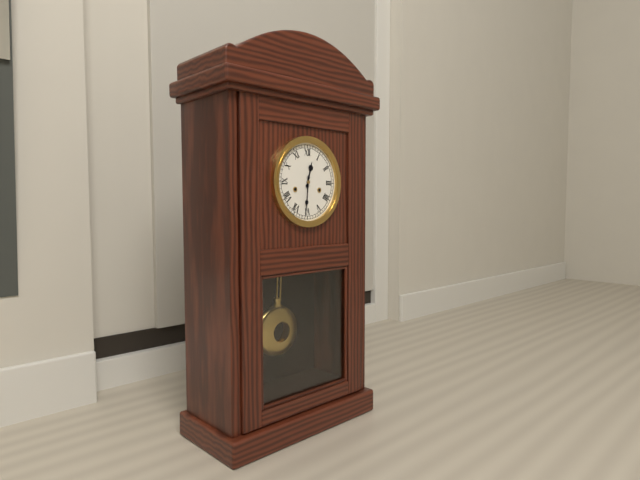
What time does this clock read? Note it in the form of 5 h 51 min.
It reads 12 h 31 min
